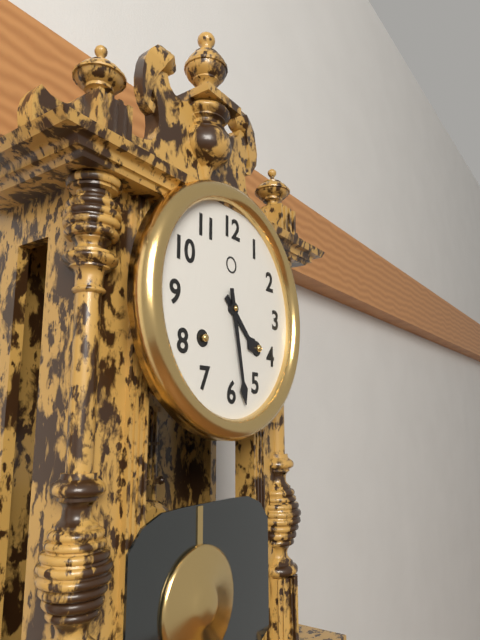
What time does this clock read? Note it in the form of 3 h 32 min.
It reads 4 h 28 min
